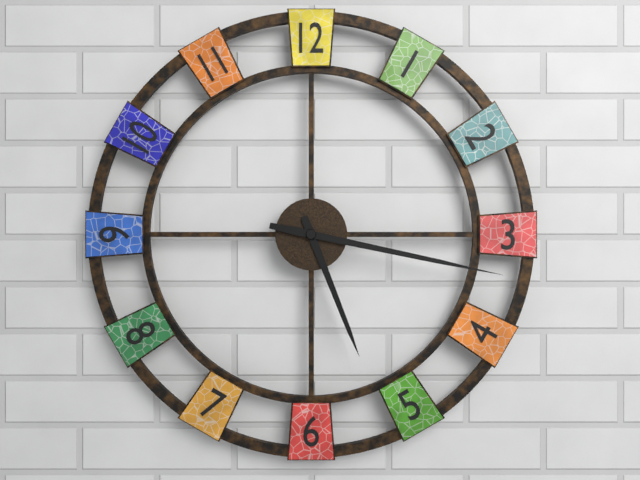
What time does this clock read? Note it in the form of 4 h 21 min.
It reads 5 h 17 min
